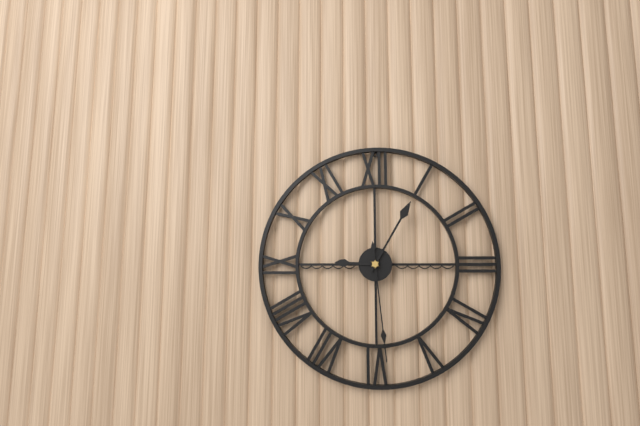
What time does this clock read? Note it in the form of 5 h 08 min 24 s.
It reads 9 h 05 min 29 s
